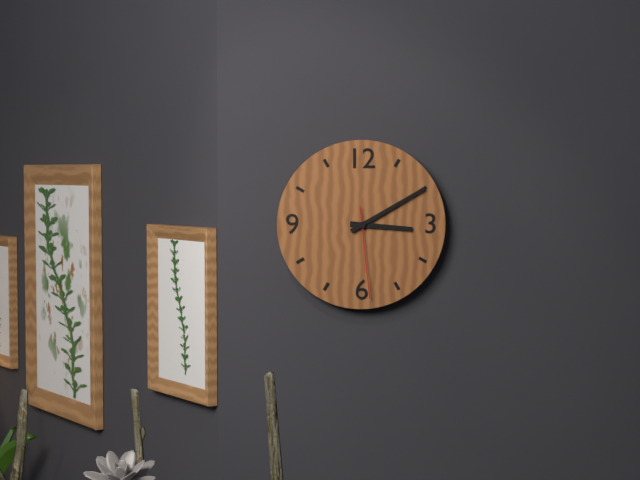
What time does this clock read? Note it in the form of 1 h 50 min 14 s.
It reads 3 h 10 min 29 s
